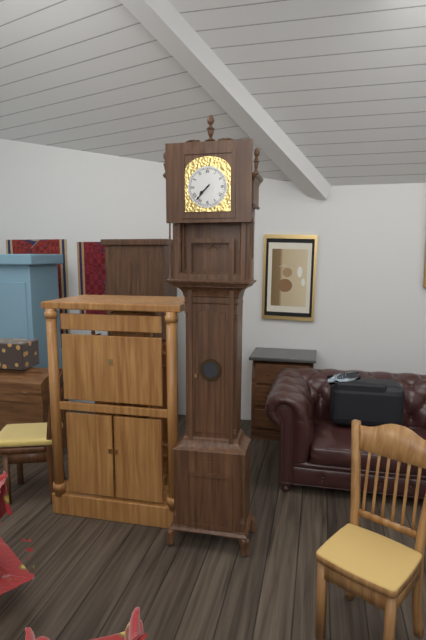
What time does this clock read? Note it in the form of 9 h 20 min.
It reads 7 h 37 min
